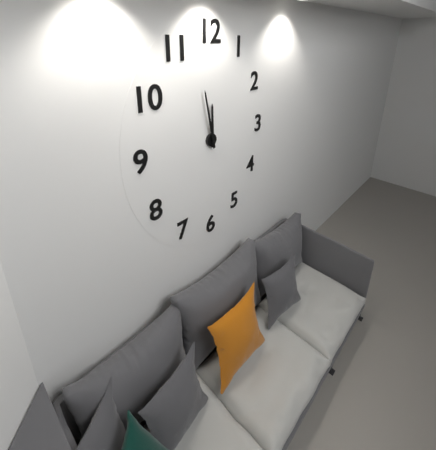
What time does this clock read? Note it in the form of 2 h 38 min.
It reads 11 h 58 min
